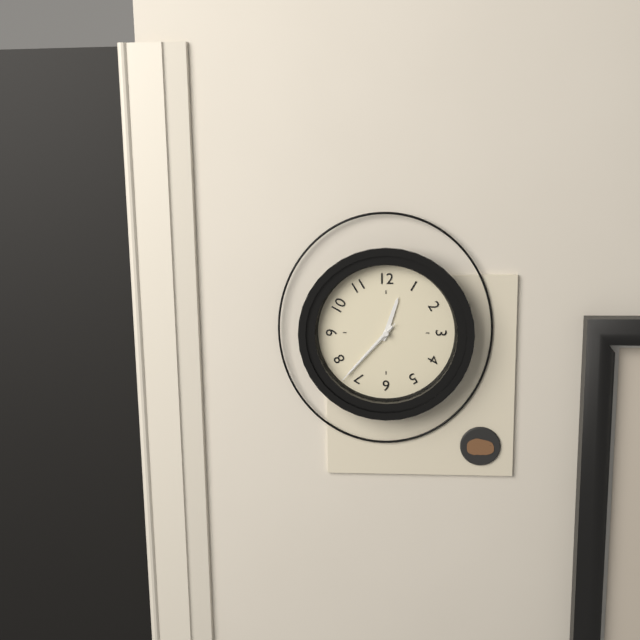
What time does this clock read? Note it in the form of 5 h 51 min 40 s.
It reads 12 h 37 min 37 s
